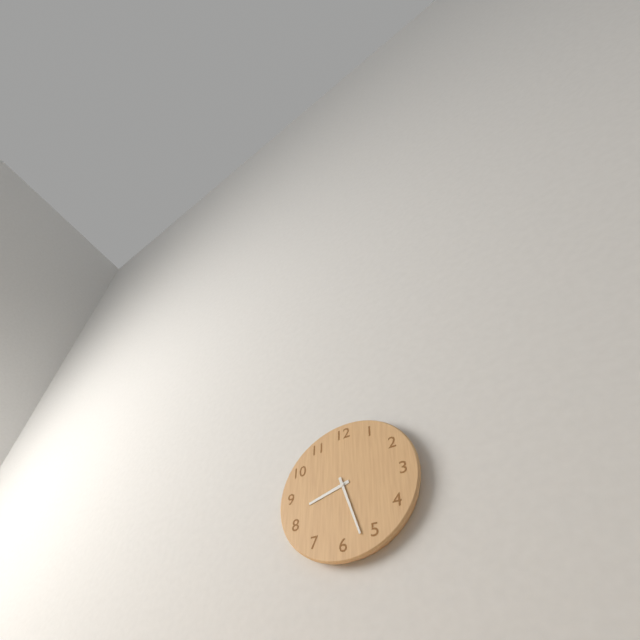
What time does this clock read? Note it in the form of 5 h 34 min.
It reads 8 h 27 min
